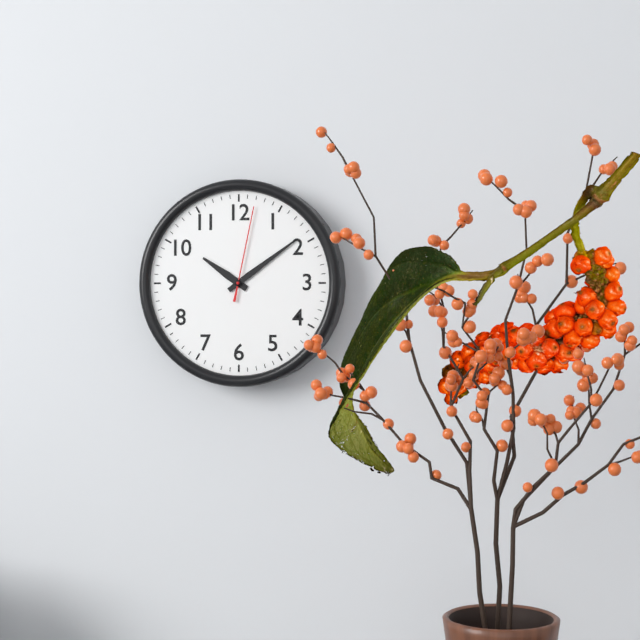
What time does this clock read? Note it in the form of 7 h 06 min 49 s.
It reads 10 h 09 min 02 s
